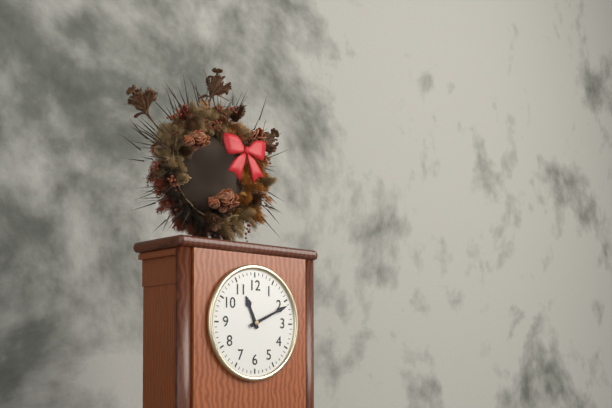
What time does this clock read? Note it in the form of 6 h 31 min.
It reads 11 h 11 min
